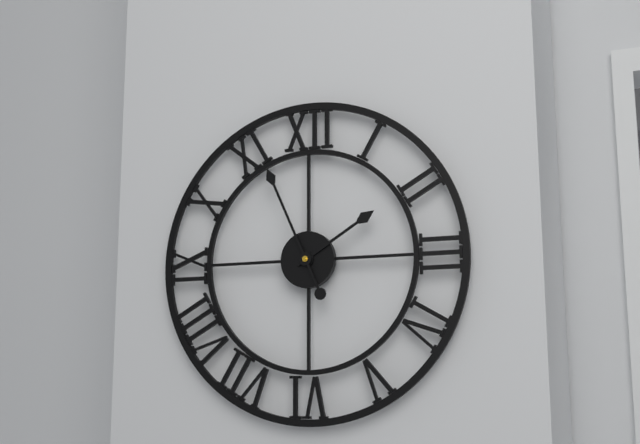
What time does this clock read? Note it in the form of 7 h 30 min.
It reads 1 h 56 min
